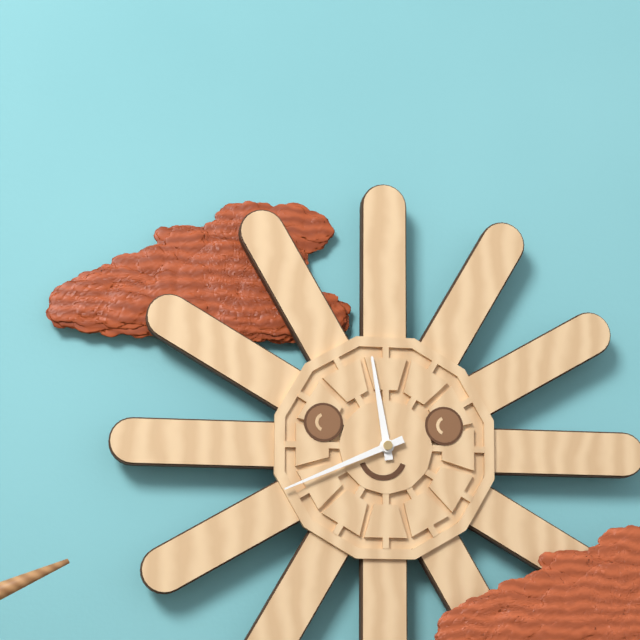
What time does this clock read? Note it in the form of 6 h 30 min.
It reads 11 h 41 min
